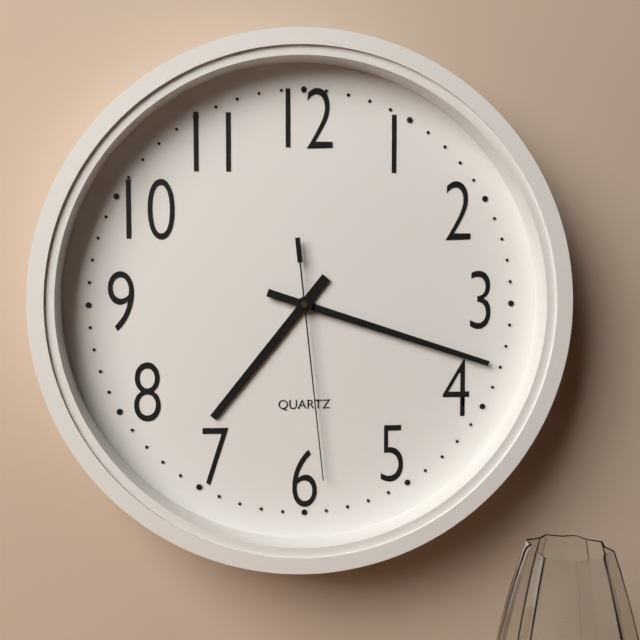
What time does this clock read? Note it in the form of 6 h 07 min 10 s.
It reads 7 h 18 min 29 s
